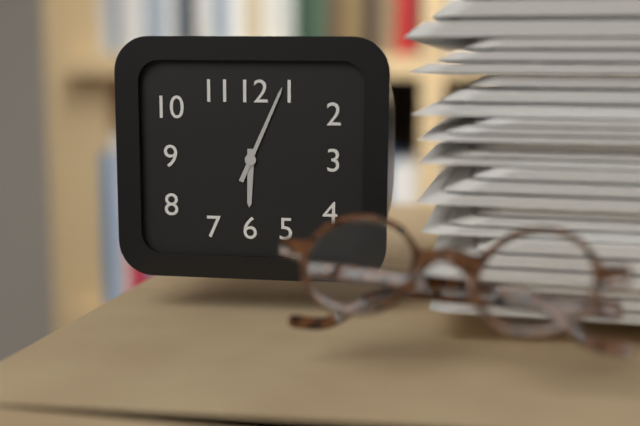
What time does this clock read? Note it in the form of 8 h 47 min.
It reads 6 h 04 min
